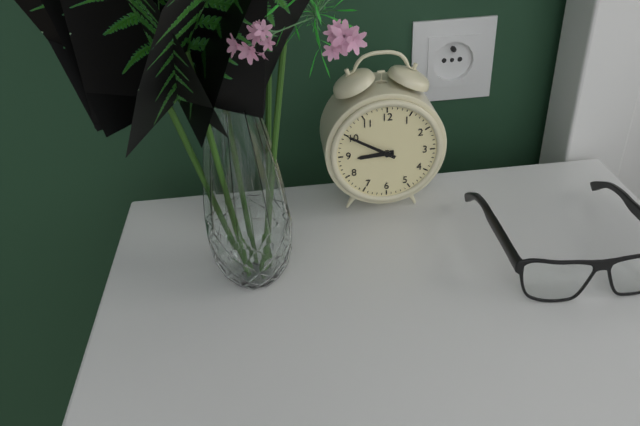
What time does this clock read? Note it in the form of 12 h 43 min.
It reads 8 h 50 min
